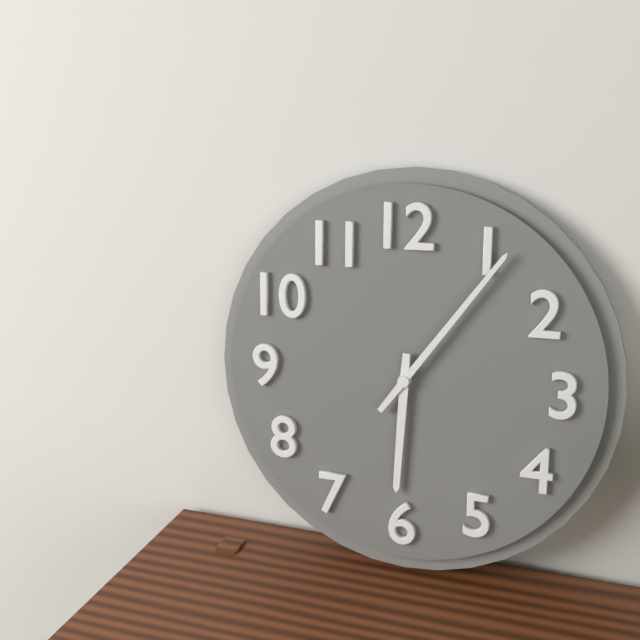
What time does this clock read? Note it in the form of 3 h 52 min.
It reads 6 h 06 min
